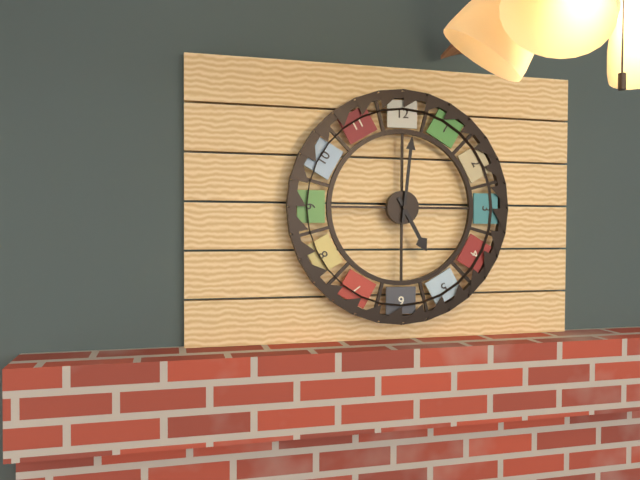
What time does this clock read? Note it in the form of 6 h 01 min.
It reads 5 h 01 min
